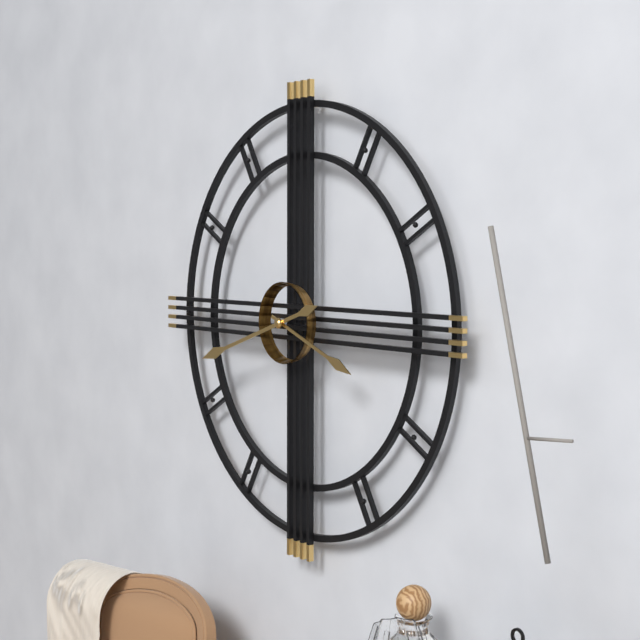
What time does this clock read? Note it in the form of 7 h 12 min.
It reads 3 h 42 min
